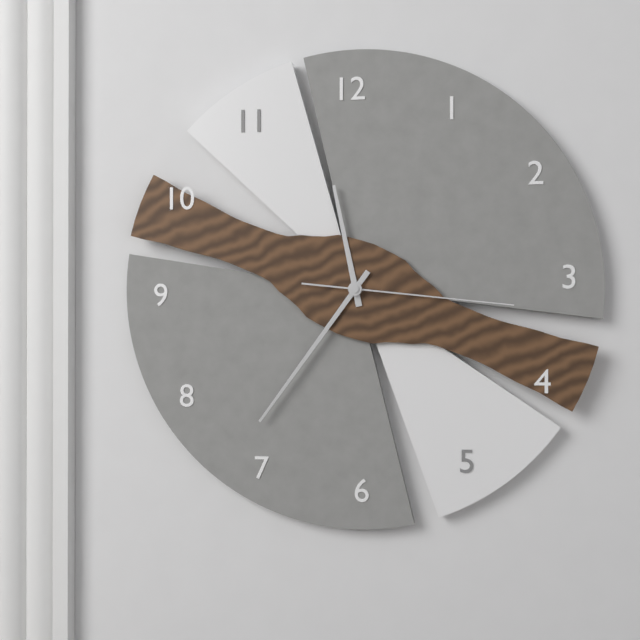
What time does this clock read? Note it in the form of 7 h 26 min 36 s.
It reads 11 h 36 min 16 s
